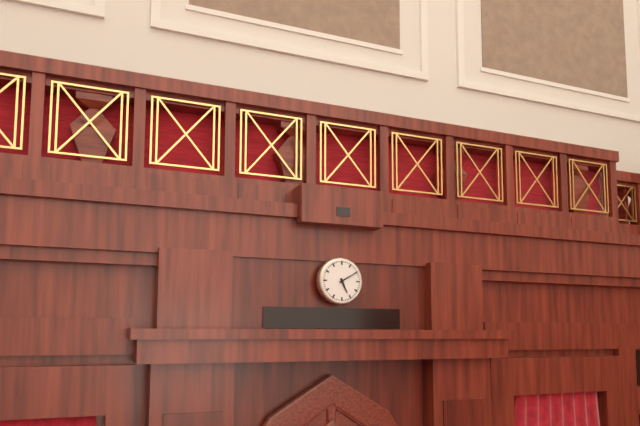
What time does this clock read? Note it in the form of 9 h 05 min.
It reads 5 h 10 min
